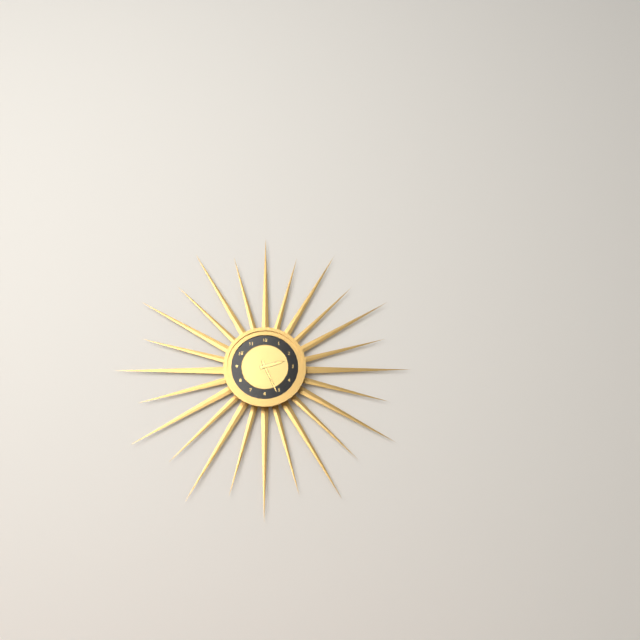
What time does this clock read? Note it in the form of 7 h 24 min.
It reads 2 h 26 min
